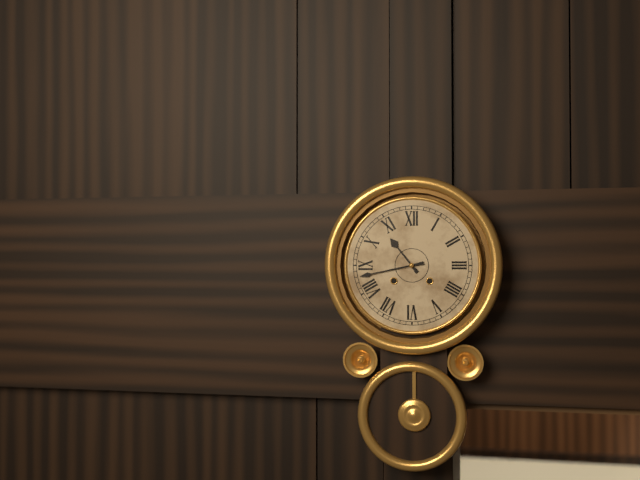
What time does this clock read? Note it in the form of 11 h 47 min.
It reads 10 h 43 min
